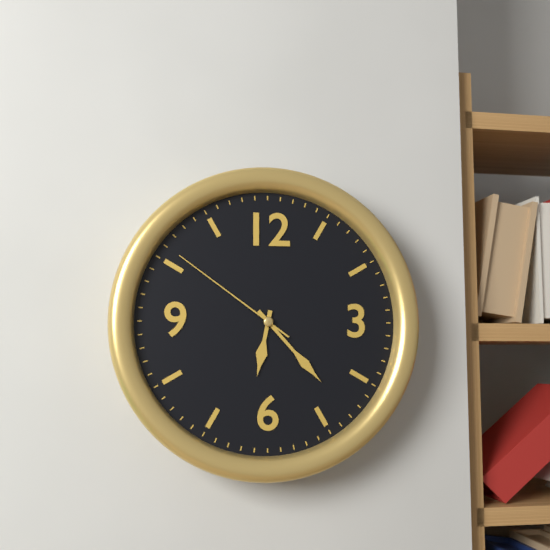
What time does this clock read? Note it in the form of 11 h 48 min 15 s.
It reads 6 h 23 min 51 s
